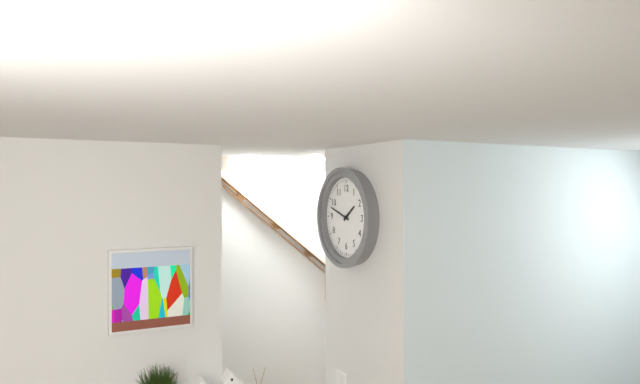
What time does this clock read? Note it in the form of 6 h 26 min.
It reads 1 h 48 min
